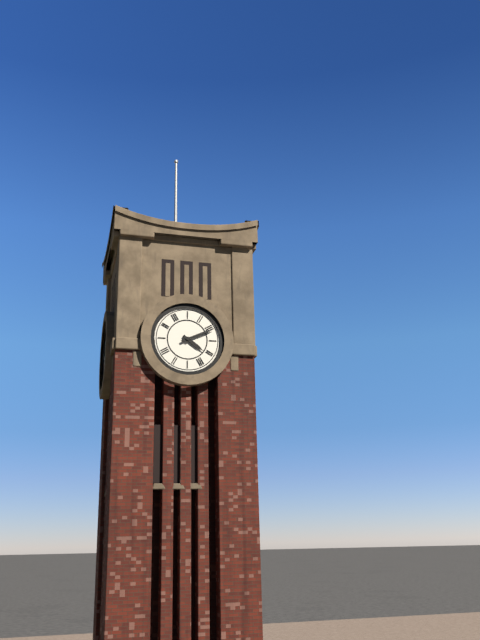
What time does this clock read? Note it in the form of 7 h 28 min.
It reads 4 h 11 min
